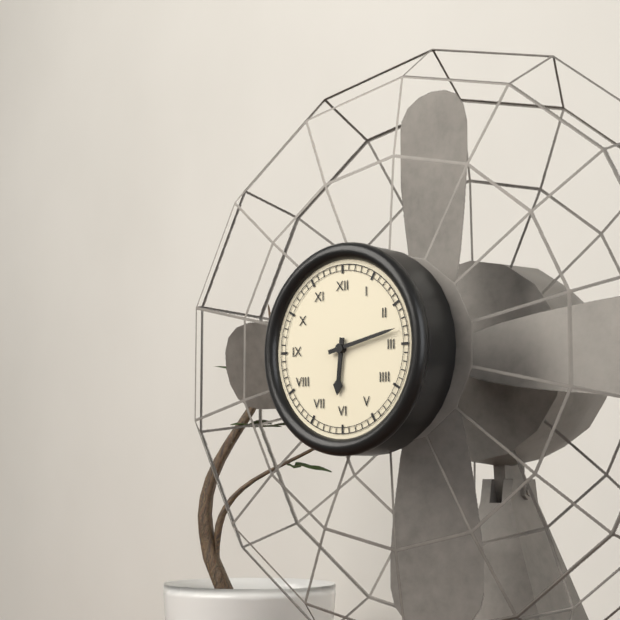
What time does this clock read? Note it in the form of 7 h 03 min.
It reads 6 h 13 min
